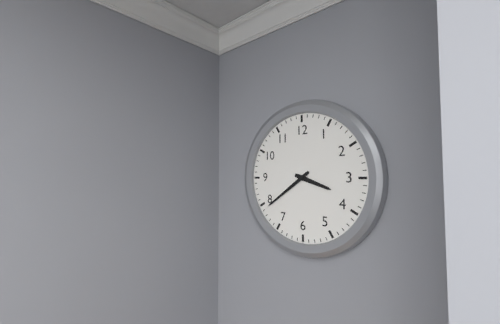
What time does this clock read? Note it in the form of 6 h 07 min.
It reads 3 h 39 min
